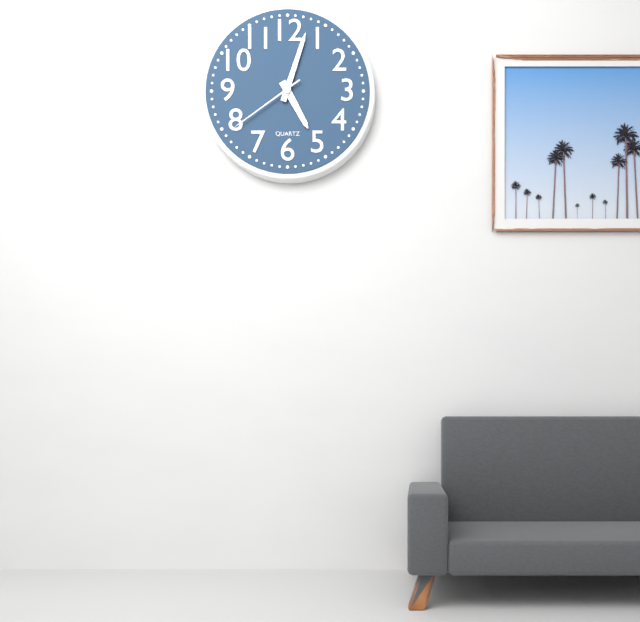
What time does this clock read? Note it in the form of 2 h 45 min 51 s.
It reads 5 h 03 min 39 s
